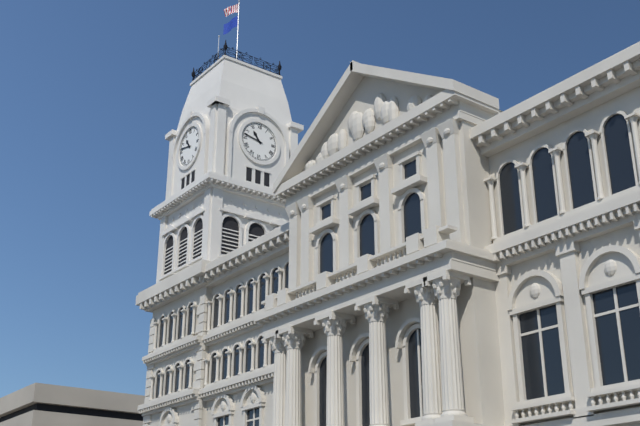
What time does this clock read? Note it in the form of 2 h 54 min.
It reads 10 h 47 min
